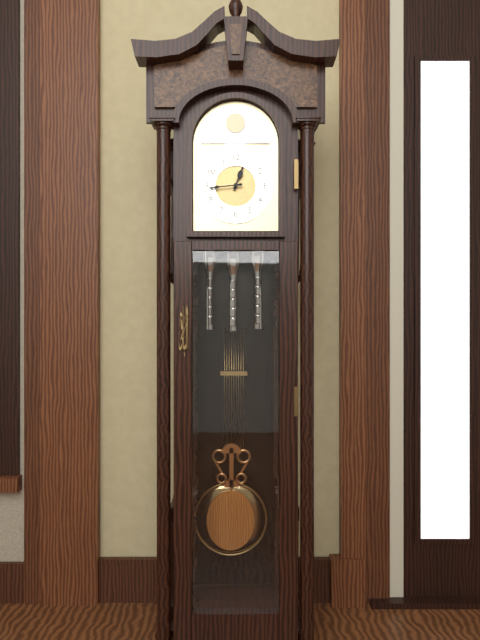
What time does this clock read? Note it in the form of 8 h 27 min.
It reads 12 h 44 min
